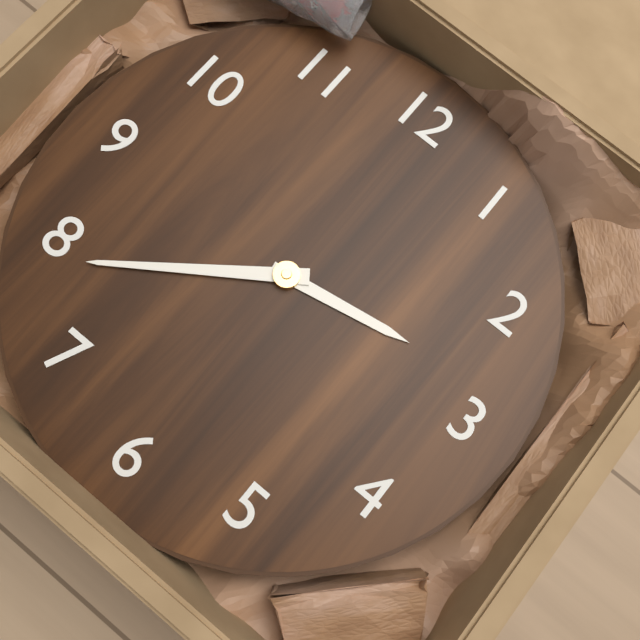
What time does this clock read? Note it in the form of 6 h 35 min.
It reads 2 h 39 min
